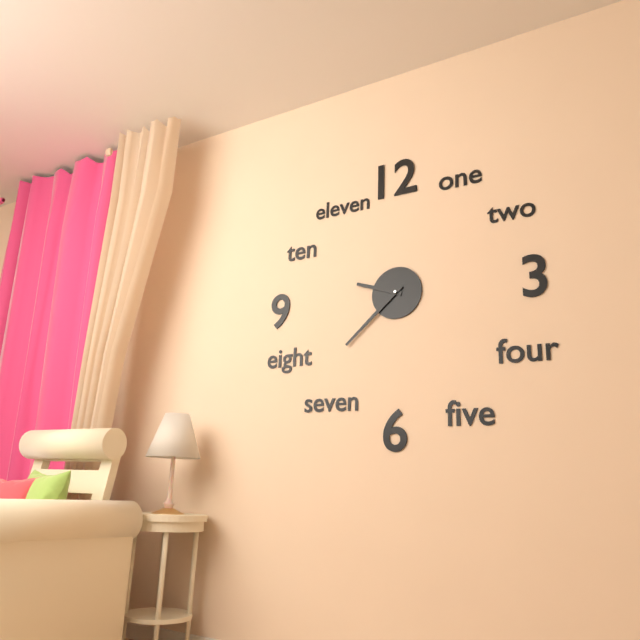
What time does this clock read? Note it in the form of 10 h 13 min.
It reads 9 h 38 min
